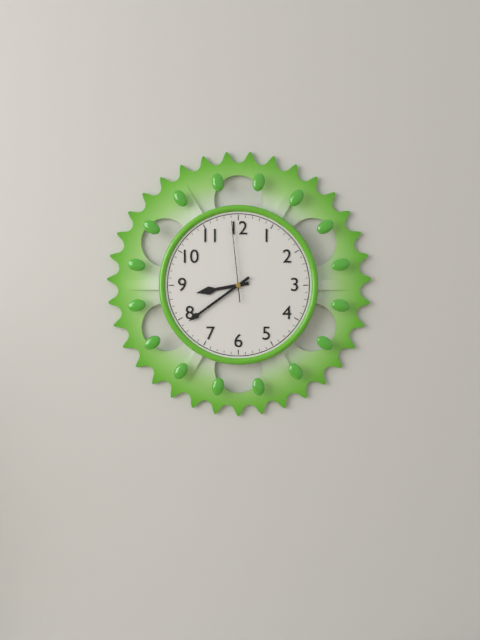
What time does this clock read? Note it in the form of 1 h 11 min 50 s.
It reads 8 h 39 min 59 s
